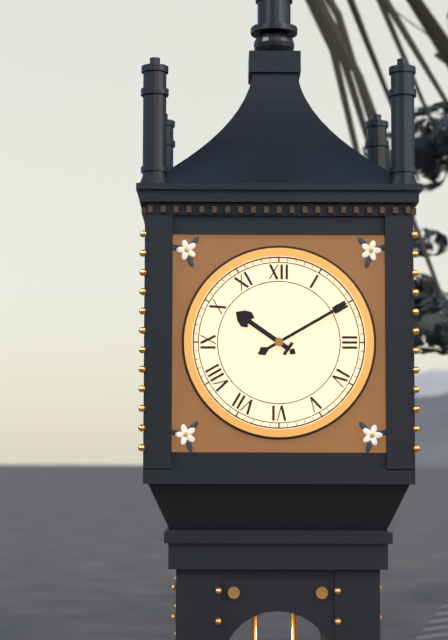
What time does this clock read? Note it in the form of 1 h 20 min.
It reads 10 h 10 min
